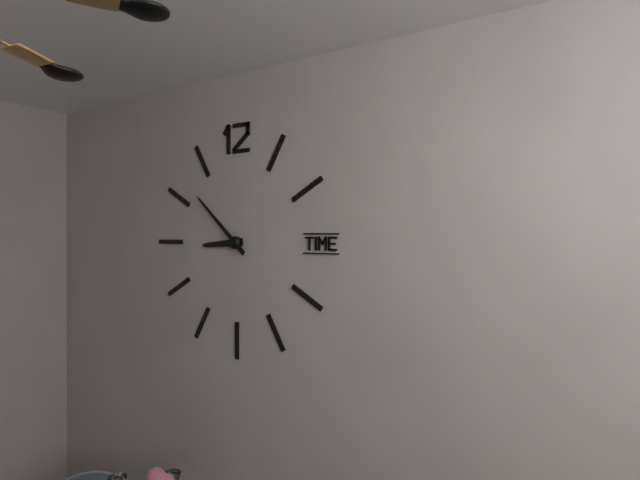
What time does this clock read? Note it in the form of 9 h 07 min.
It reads 8 h 52 min
